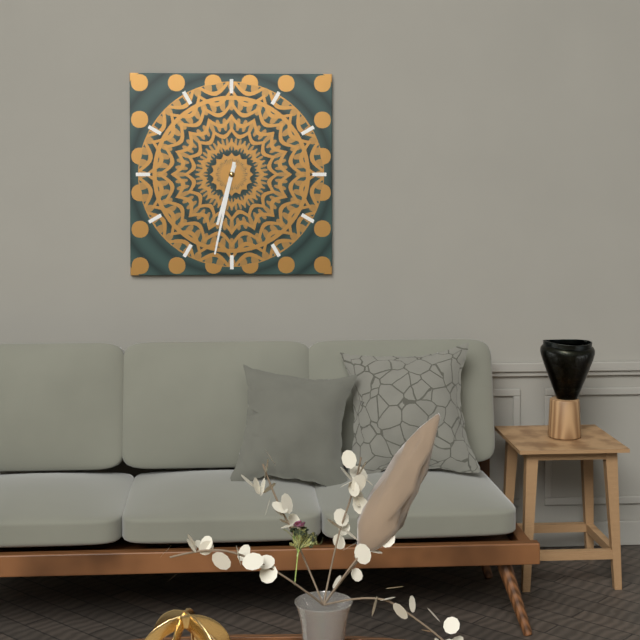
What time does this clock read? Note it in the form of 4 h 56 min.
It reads 6 h 32 min
